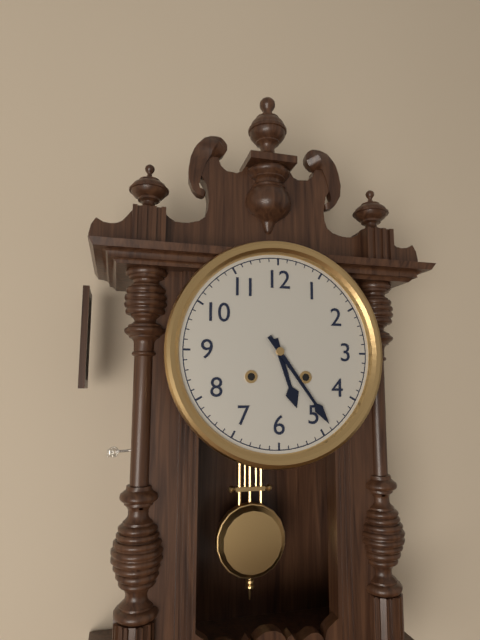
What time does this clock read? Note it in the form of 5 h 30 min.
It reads 5 h 24 min
